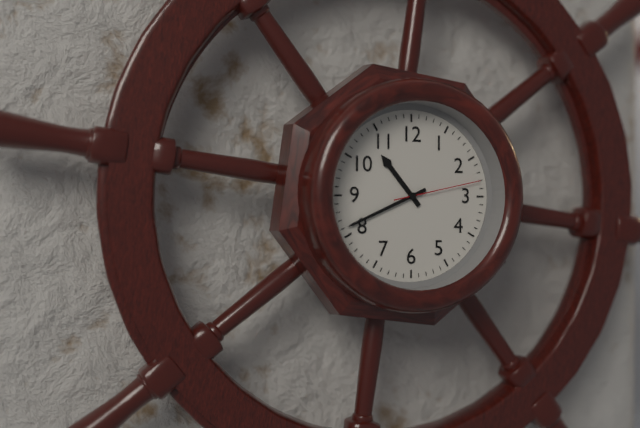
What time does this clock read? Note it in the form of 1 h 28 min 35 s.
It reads 10 h 41 min 13 s
